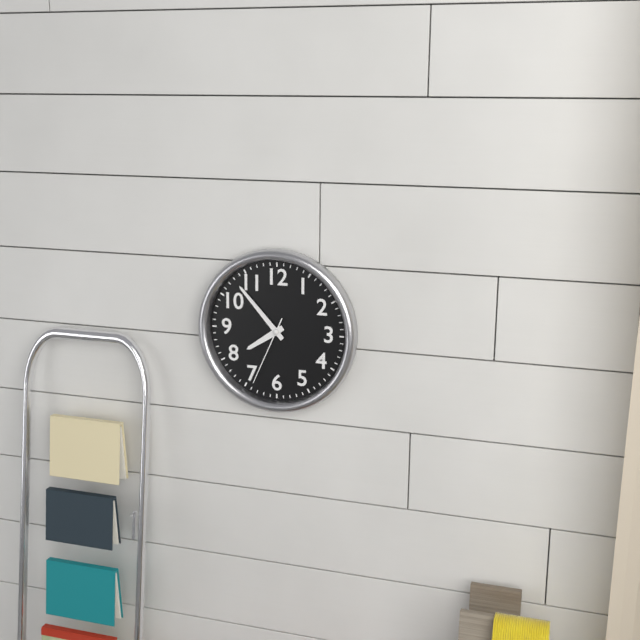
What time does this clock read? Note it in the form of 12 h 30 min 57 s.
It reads 7 h 53 min 34 s
